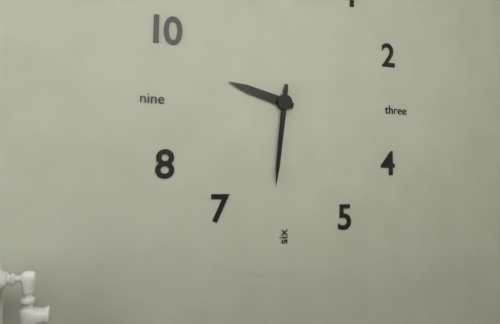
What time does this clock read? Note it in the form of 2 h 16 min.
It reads 9 h 31 min
